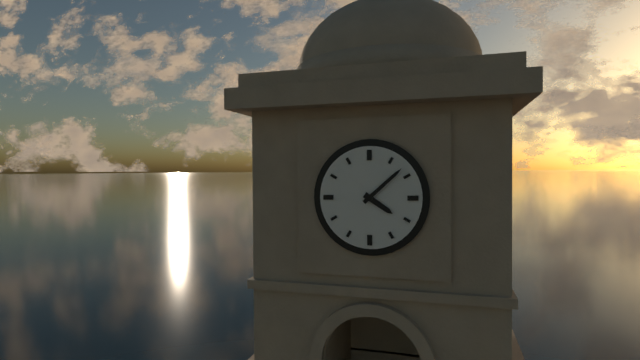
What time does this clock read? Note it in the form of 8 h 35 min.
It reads 4 h 08 min
